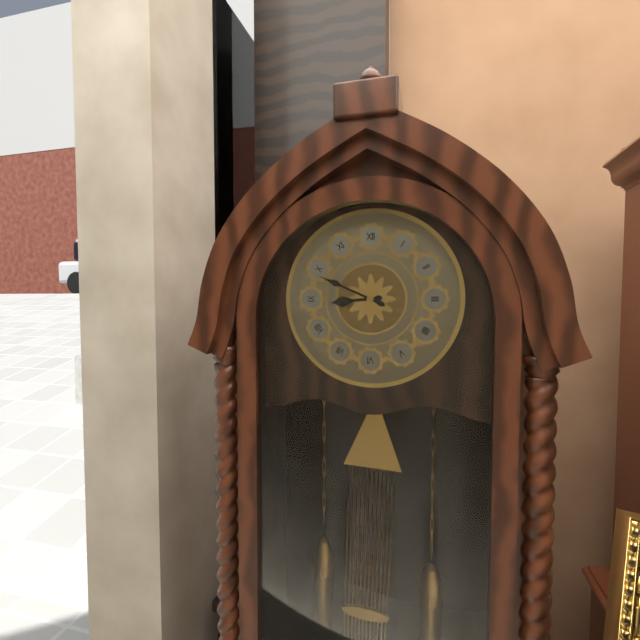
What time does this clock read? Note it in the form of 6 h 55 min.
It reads 8 h 49 min
